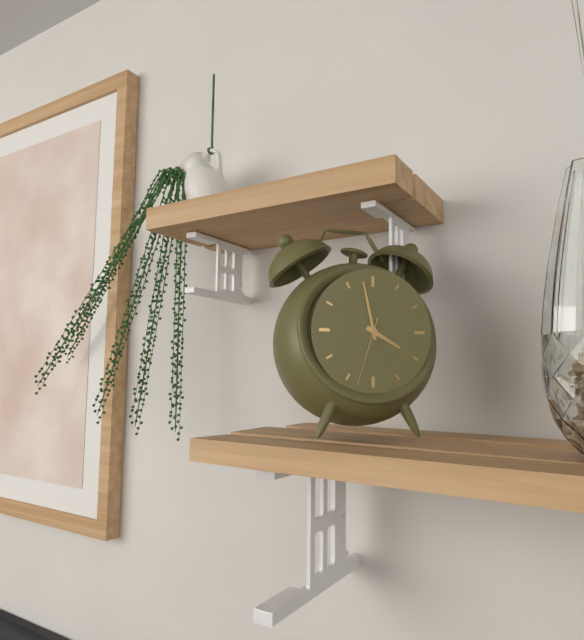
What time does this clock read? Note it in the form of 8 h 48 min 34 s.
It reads 3 h 58 min 33 s
